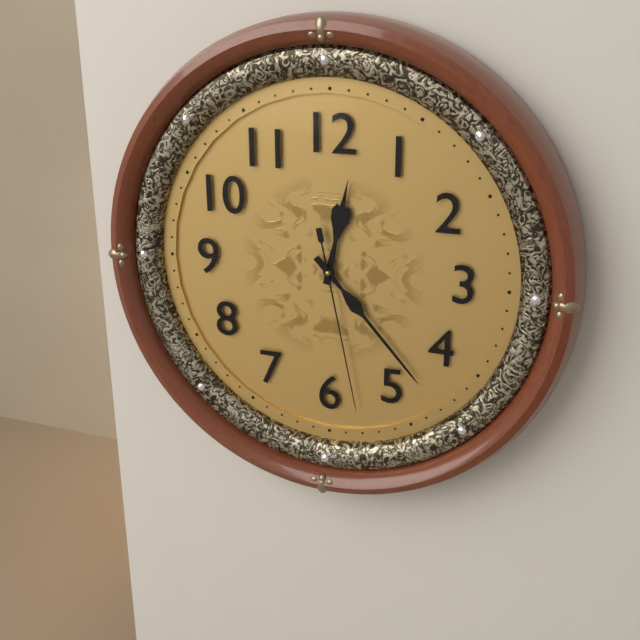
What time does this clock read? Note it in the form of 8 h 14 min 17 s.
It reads 12 h 23 min 28 s
